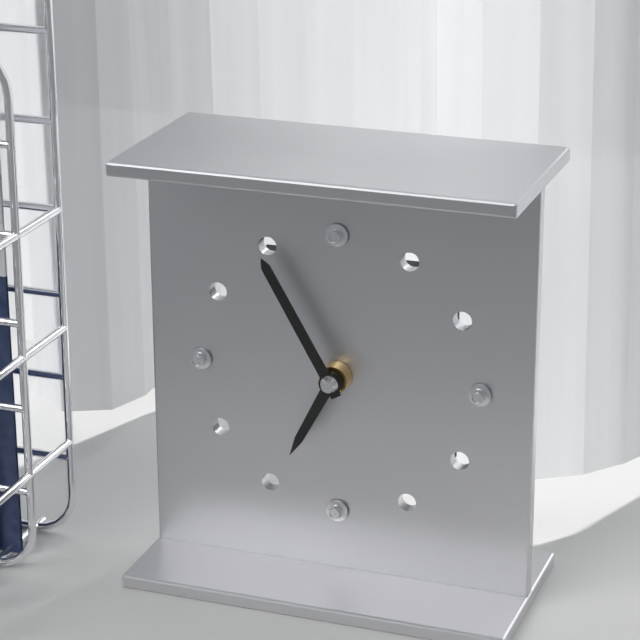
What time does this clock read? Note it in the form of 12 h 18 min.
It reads 6 h 55 min
